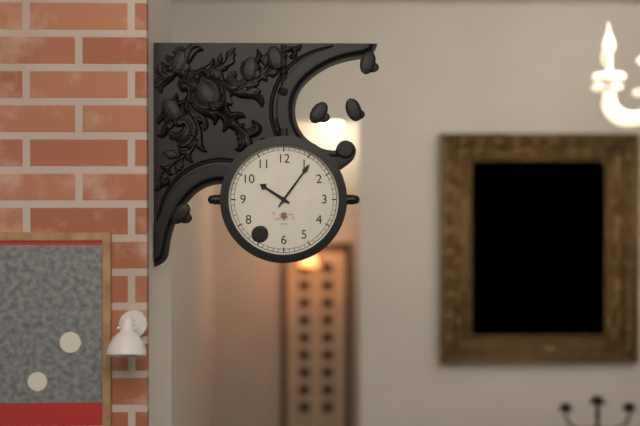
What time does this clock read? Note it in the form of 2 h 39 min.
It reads 10 h 06 min
